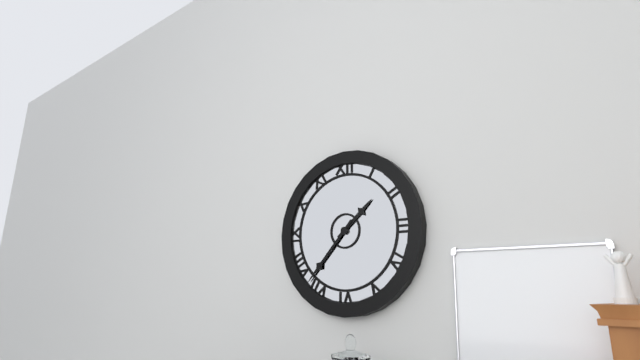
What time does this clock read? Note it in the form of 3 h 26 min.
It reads 1 h 37 min
